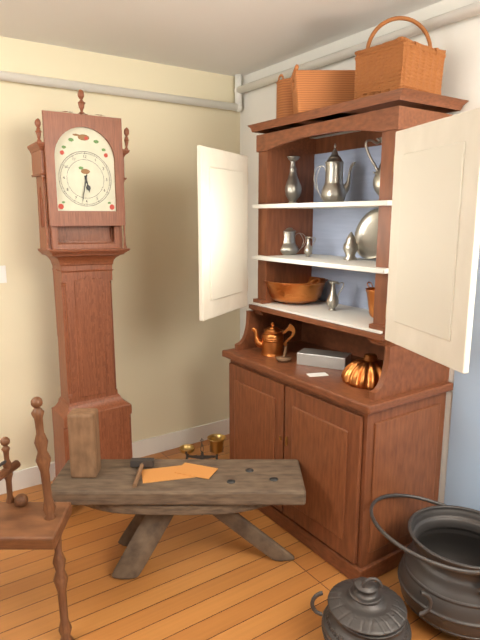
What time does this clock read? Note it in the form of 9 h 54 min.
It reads 5 h 32 min
